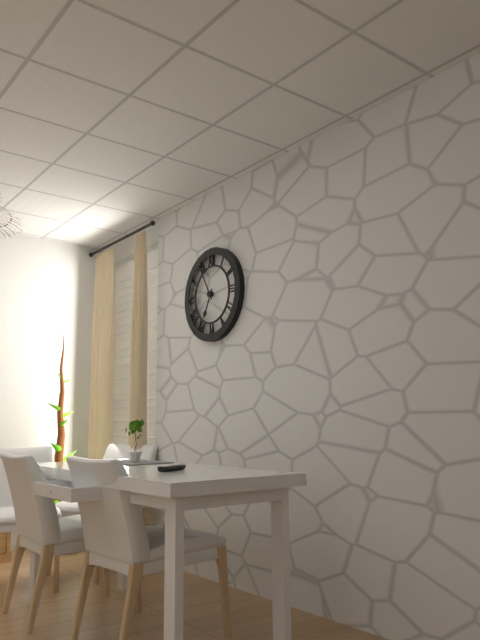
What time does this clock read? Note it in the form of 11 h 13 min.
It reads 6 h 55 min
